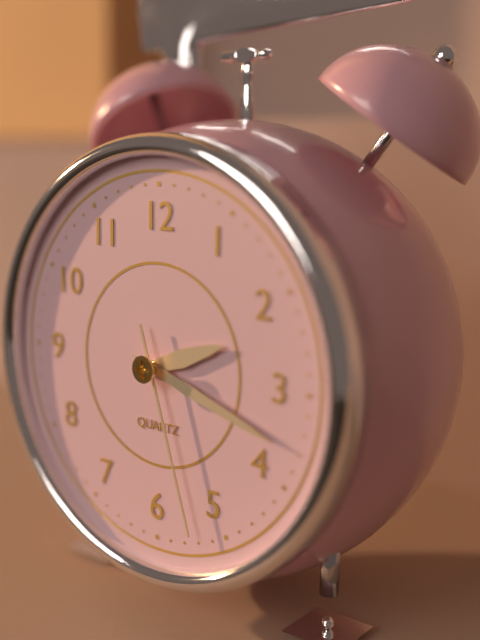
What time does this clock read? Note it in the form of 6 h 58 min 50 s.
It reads 2 h 18 min 27 s
